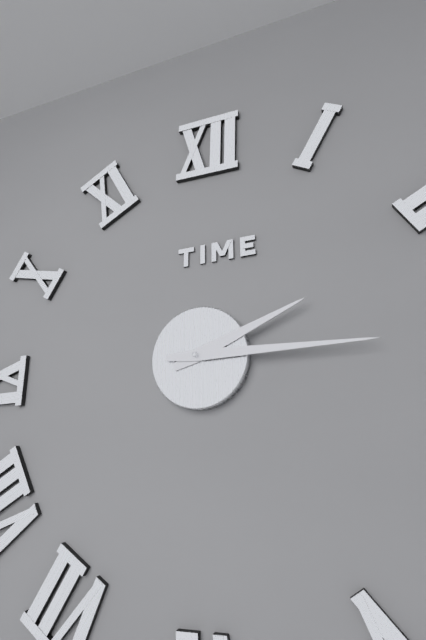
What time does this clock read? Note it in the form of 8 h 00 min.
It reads 2 h 15 min
